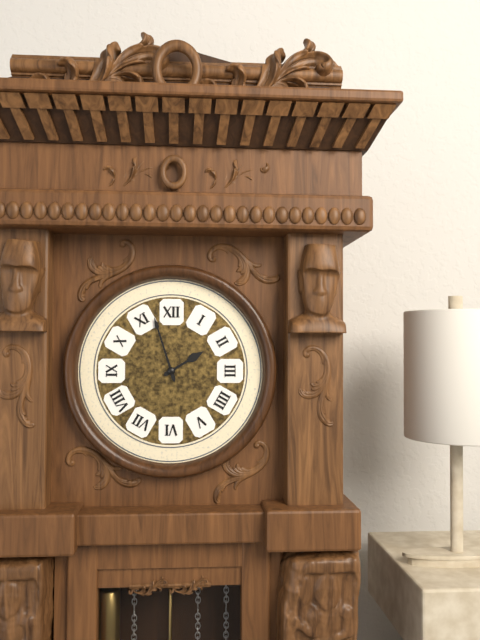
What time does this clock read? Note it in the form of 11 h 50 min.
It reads 1 h 57 min
